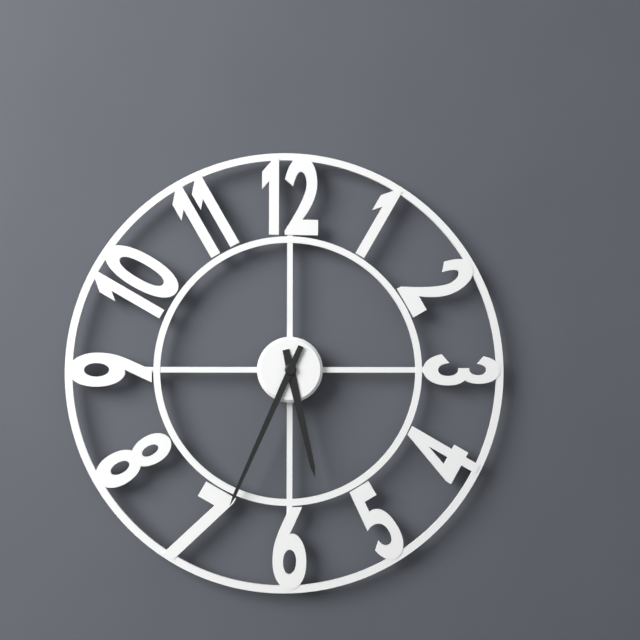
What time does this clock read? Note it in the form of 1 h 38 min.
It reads 5 h 34 min
